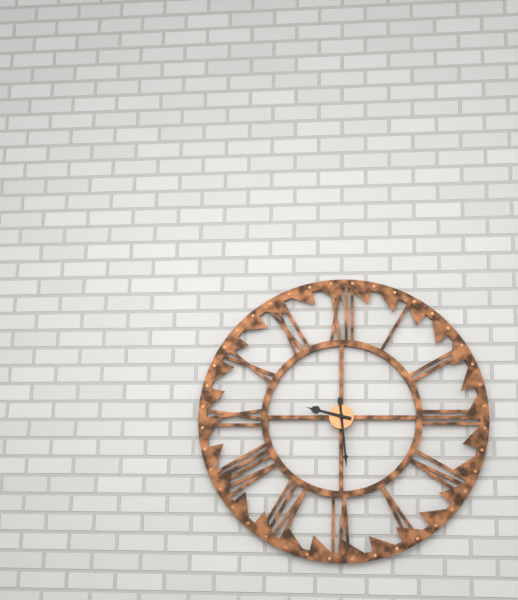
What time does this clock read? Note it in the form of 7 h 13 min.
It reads 9 h 29 min
